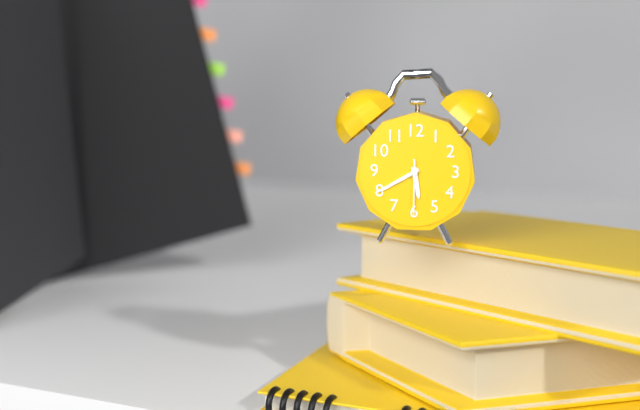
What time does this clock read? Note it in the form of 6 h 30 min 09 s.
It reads 5 h 40 min 30 s
